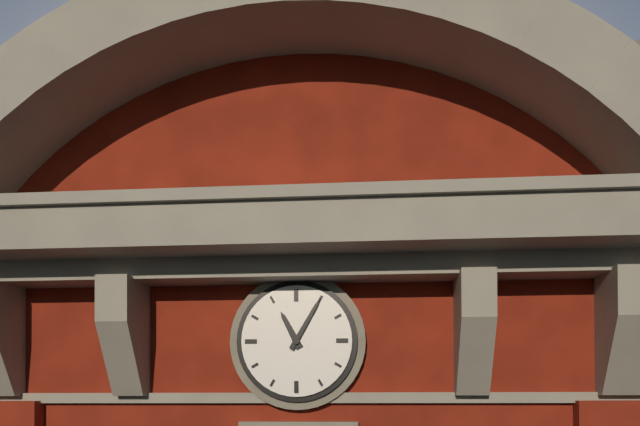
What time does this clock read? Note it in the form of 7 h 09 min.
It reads 11 h 05 min
